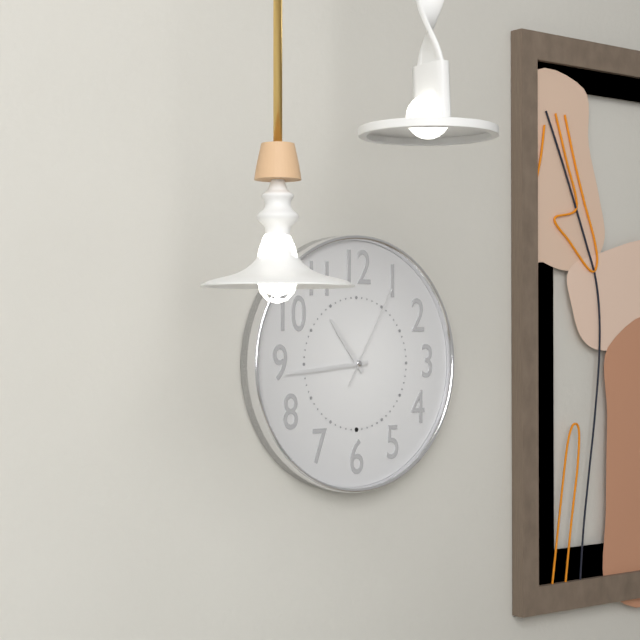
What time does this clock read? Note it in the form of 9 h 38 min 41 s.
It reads 10 h 44 min 05 s
